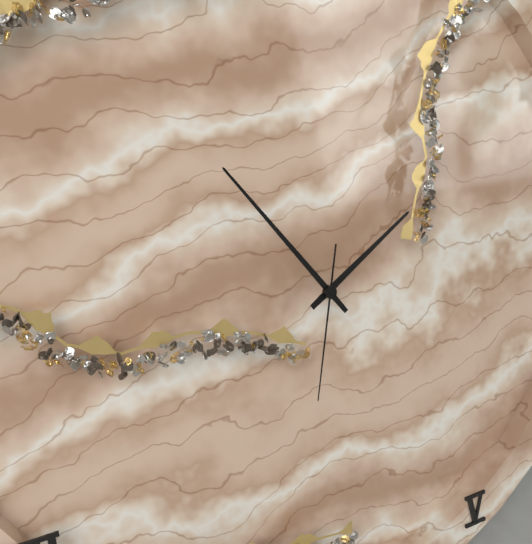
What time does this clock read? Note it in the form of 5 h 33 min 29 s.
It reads 1 h 54 min 32 s
